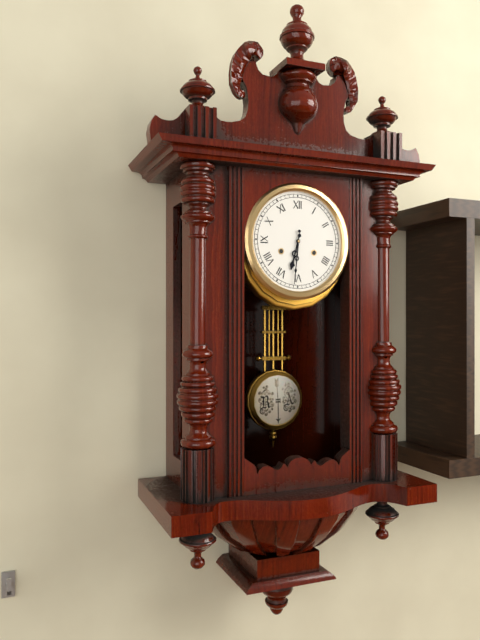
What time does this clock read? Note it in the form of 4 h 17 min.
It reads 6 h 31 min
